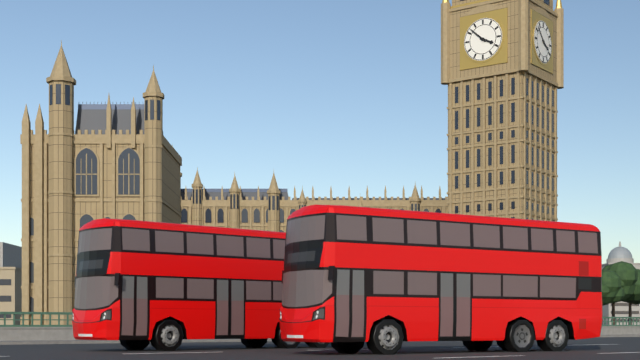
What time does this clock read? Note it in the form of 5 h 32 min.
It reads 3 h 52 min
